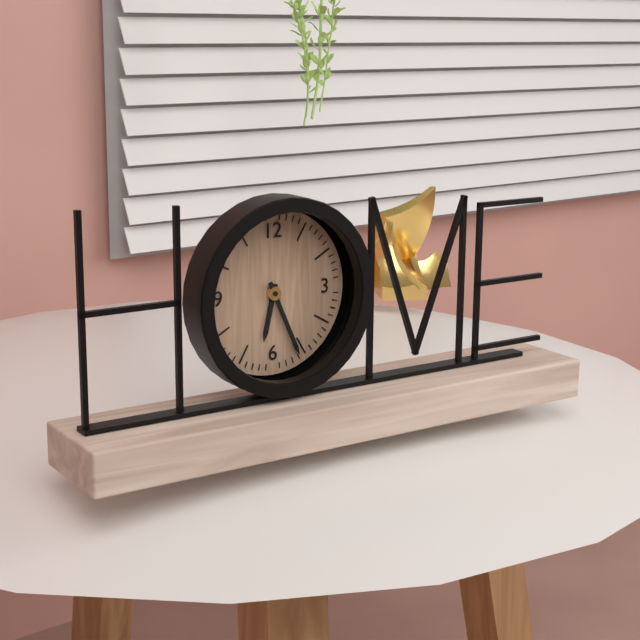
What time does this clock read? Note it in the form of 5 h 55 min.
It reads 6 h 26 min
